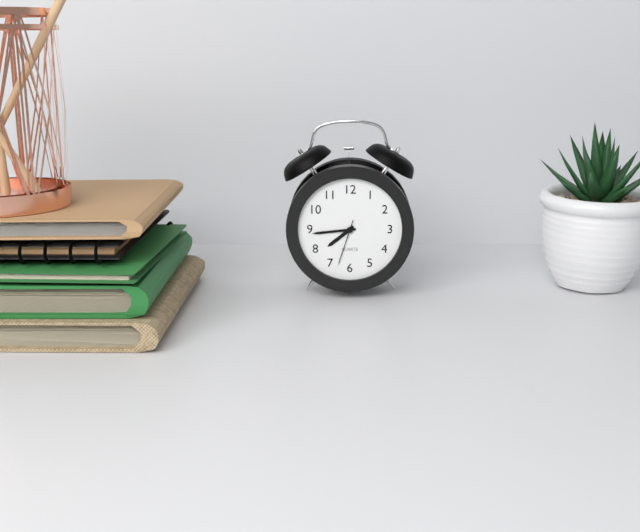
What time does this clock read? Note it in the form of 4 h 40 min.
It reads 7 h 44 min
